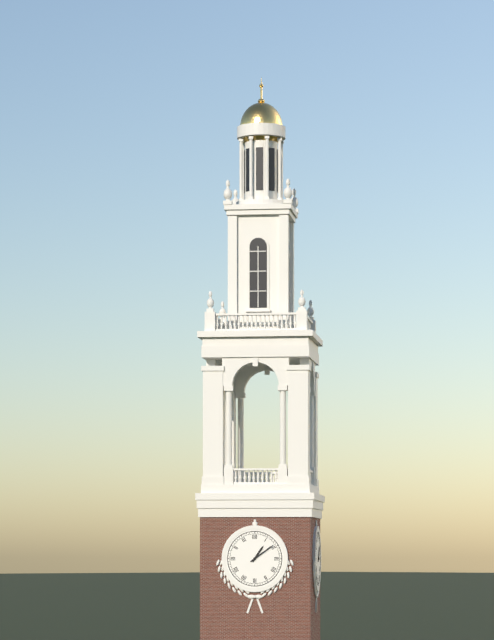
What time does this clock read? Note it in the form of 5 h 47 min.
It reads 1 h 09 min
